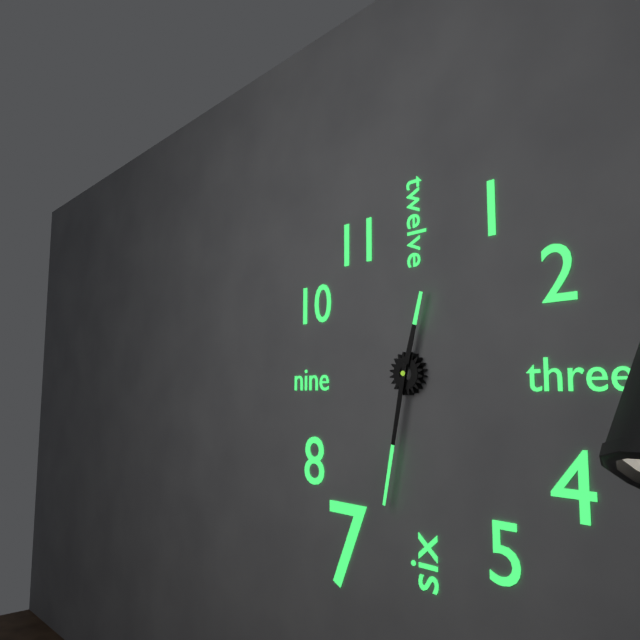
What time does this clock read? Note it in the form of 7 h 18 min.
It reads 12 h 32 min
